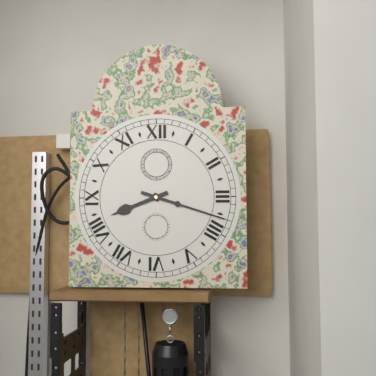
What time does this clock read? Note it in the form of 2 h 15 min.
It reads 8 h 18 min
